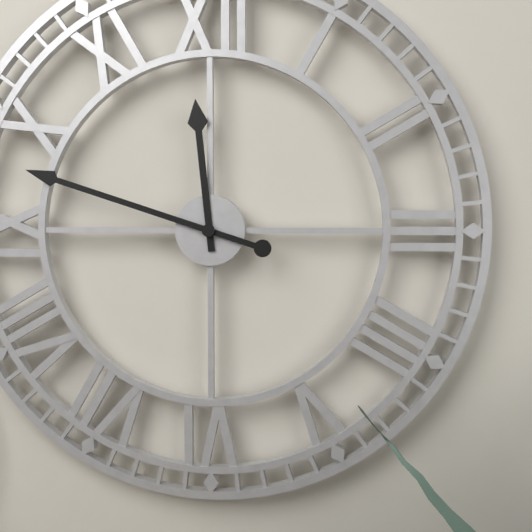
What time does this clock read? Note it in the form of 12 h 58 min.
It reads 11 h 48 min
